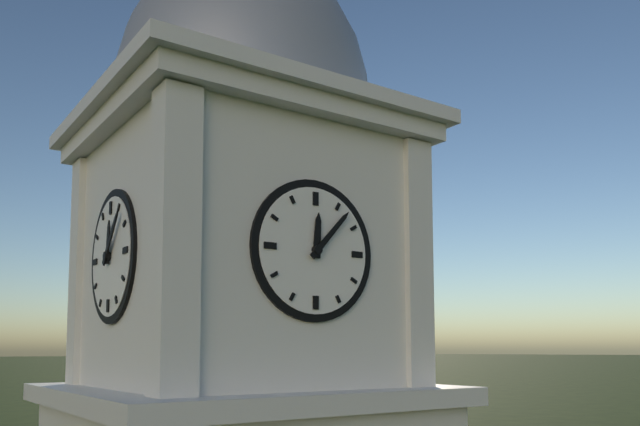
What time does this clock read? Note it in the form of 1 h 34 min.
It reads 12 h 07 min
